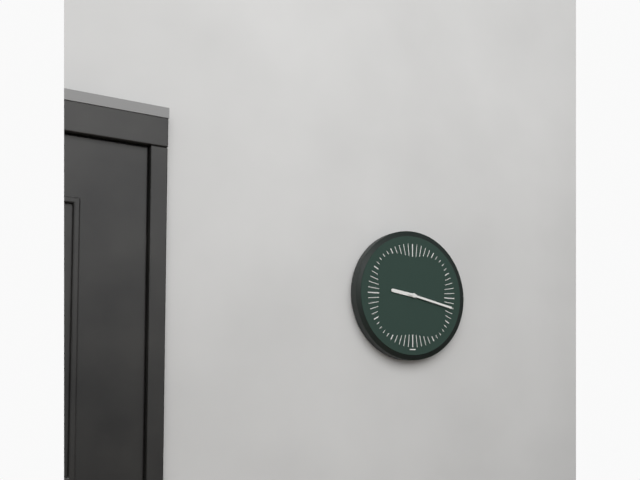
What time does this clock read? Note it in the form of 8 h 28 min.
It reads 9 h 17 min
